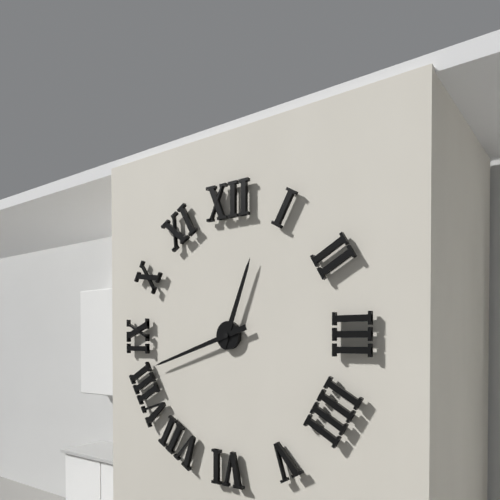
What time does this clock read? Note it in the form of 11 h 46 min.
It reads 12 h 42 min
